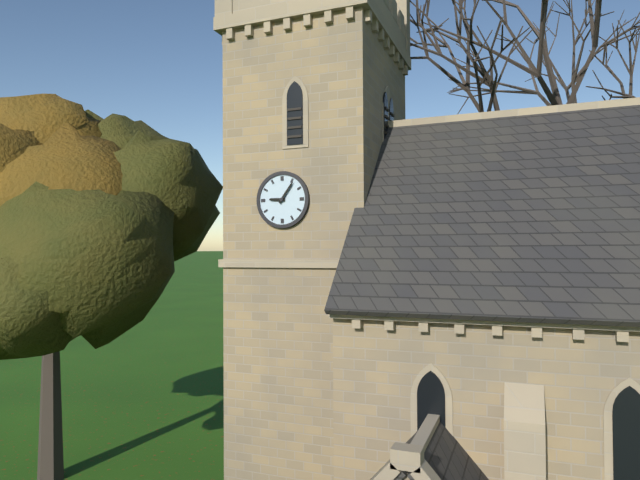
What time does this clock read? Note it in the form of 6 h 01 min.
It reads 9 h 06 min
